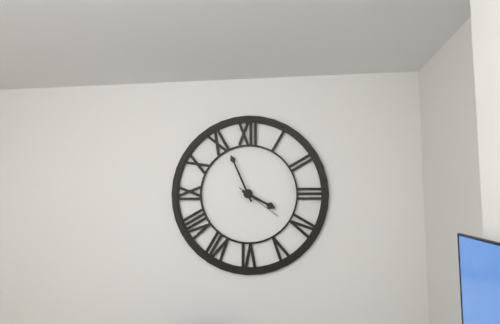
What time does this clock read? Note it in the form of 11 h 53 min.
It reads 3 h 56 min
